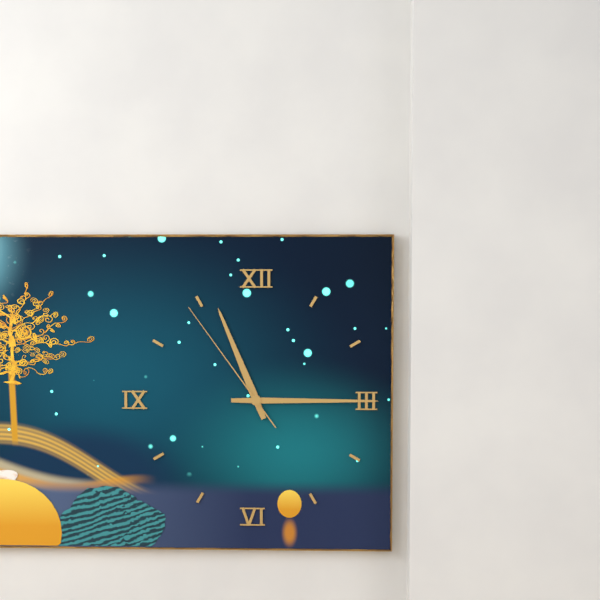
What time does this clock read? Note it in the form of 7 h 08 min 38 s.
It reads 11 h 15 min 54 s
